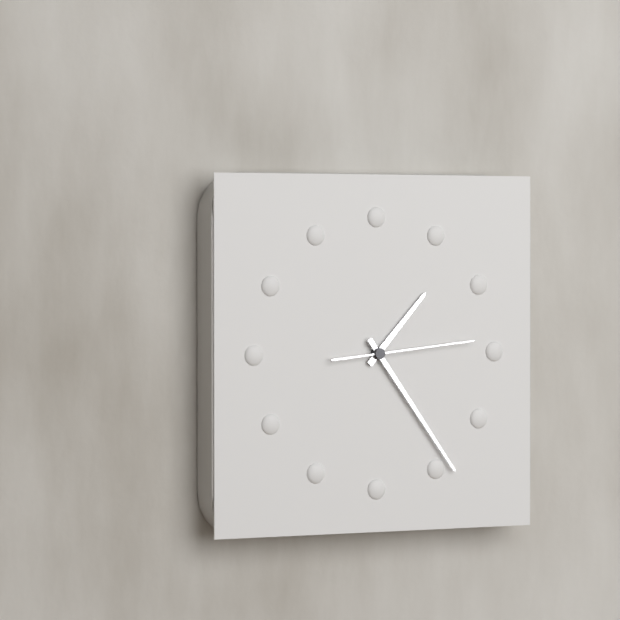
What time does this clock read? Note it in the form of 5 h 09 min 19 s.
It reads 1 h 24 min 14 s
